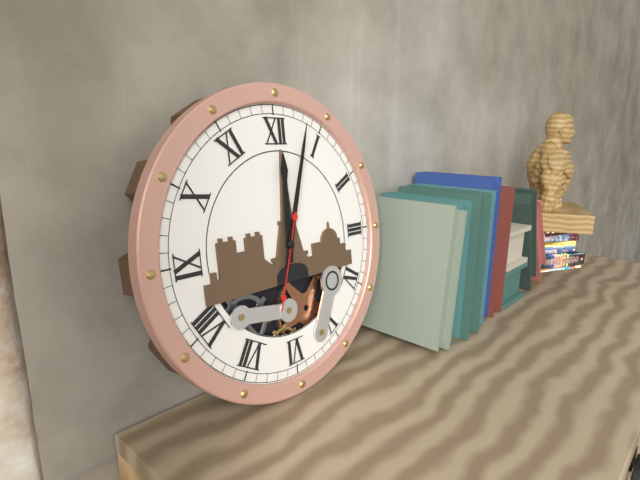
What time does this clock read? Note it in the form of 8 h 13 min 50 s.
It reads 12 h 03 min 33 s
